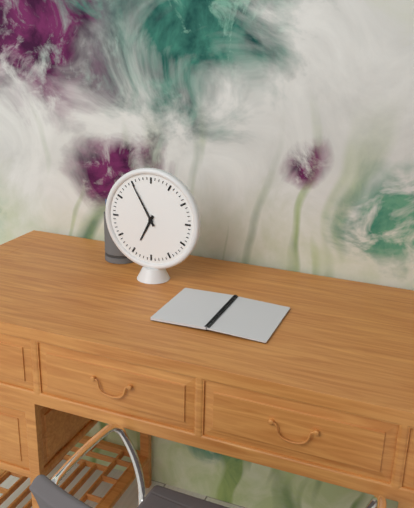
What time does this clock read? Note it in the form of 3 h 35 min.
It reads 6 h 55 min
